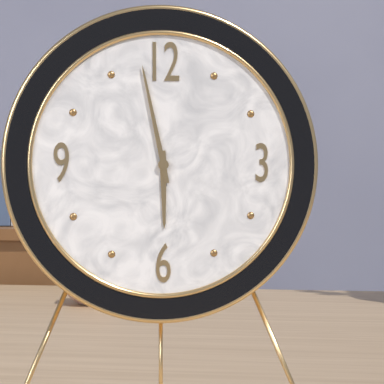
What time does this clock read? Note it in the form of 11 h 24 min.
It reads 5 h 58 min
